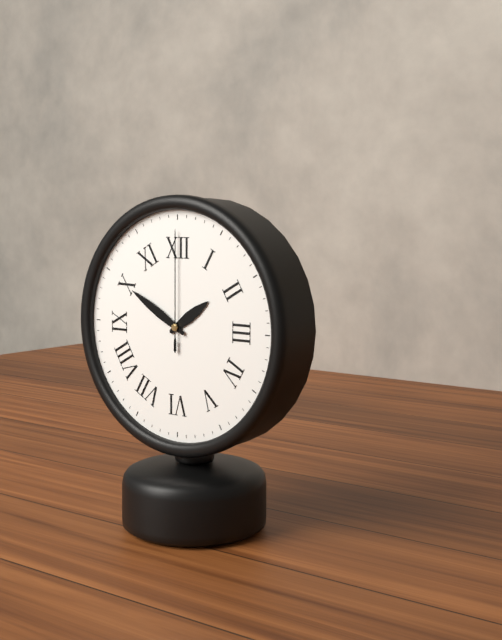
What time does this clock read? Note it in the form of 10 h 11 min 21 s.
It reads 1 h 50 min 00 s
